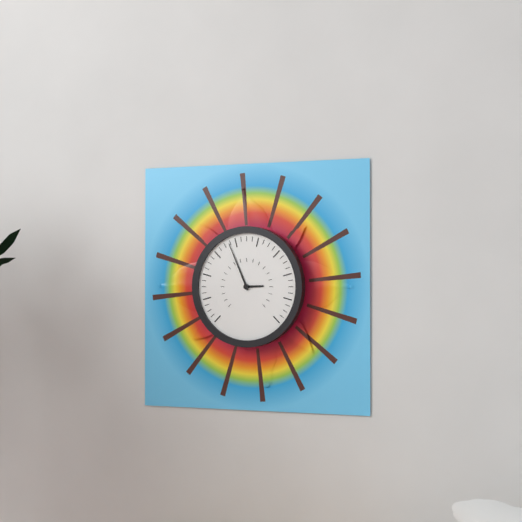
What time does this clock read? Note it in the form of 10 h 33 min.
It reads 2 h 56 min
